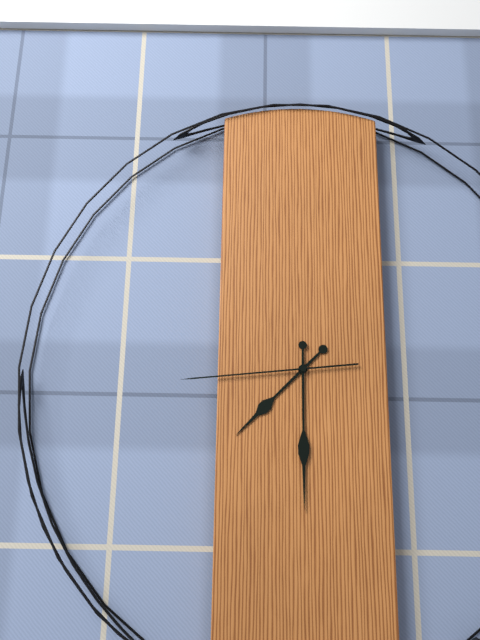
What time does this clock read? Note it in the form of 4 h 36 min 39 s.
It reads 7 h 30 min 44 s
